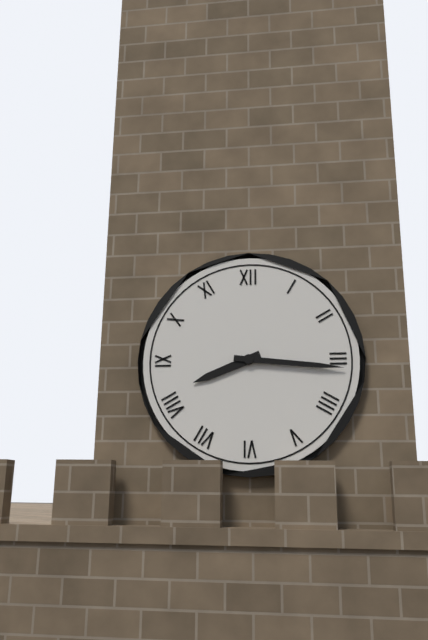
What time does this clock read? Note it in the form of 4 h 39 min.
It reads 8 h 16 min
